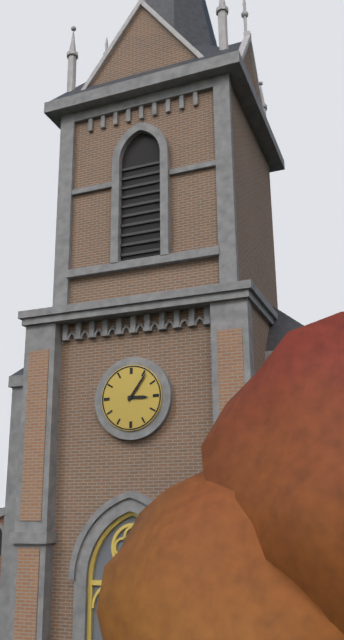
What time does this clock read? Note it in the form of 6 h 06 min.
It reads 3 h 06 min
